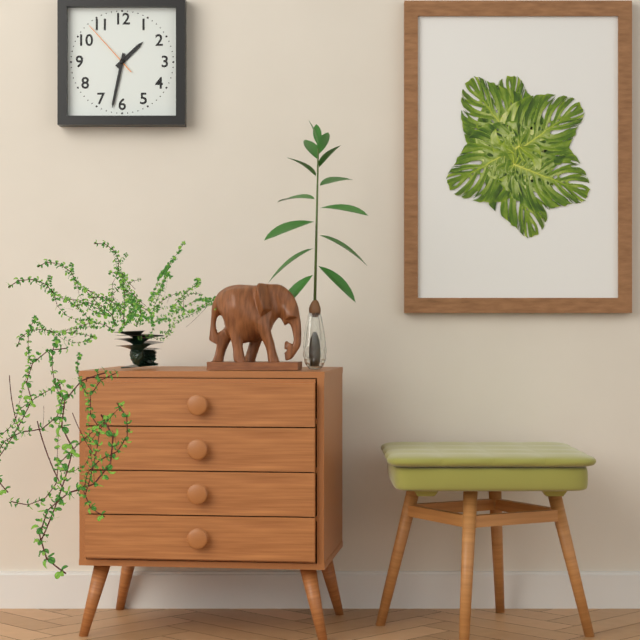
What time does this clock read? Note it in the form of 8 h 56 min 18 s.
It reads 1 h 32 min 53 s
